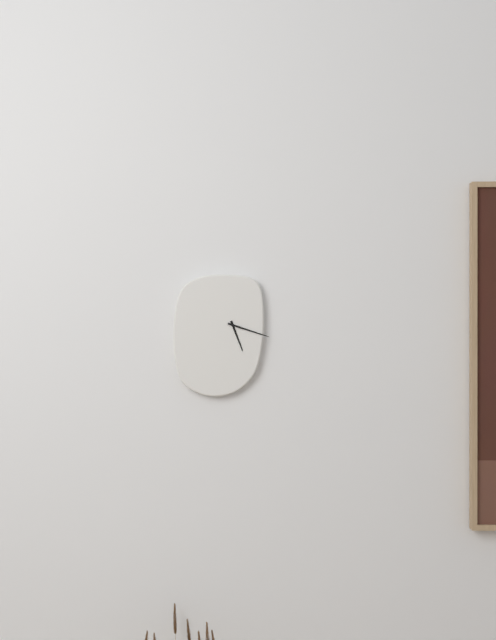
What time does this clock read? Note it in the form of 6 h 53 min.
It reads 5 h 18 min
